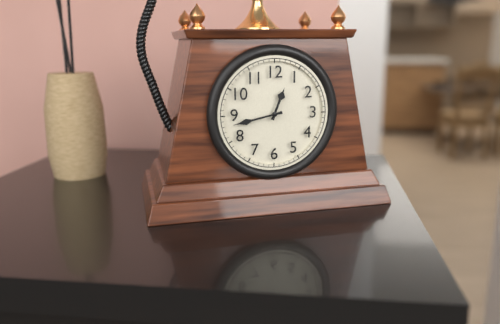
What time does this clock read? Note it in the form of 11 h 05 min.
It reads 12 h 43 min
